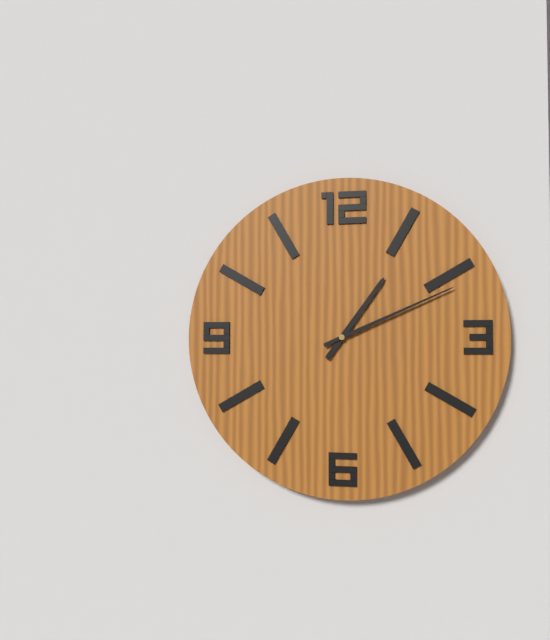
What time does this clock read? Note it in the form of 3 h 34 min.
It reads 1 h 11 min
